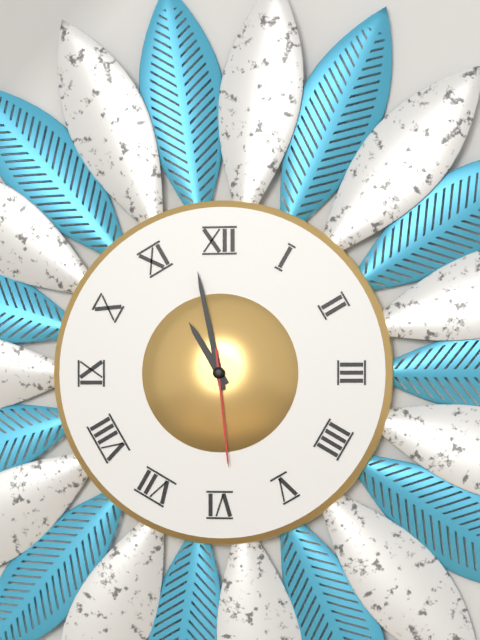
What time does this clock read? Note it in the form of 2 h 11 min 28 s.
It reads 10 h 58 min 29 s
